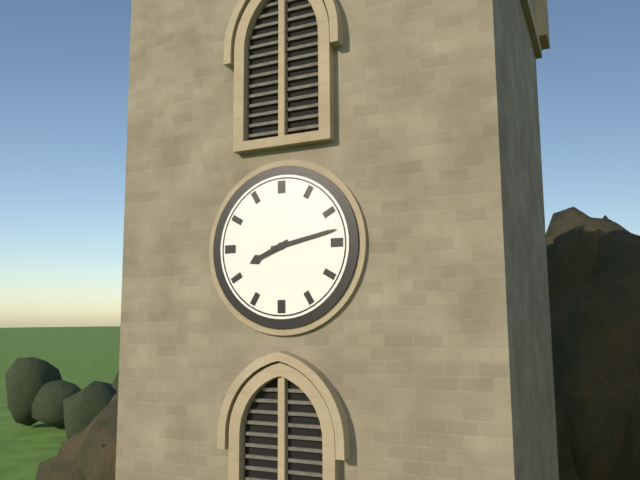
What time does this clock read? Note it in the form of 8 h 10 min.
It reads 8 h 13 min
